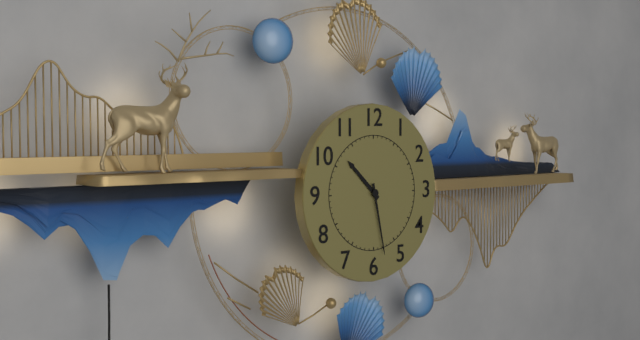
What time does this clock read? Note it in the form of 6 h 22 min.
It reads 10 h 28 min
